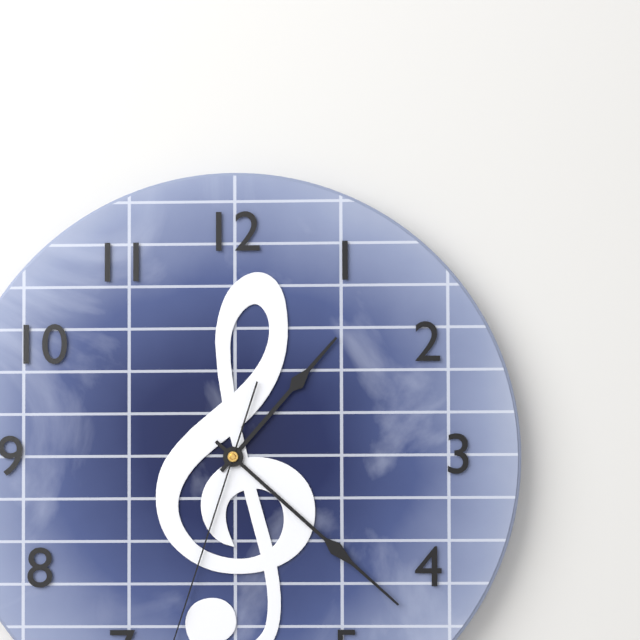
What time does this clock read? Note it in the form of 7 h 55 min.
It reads 1 h 22 min
